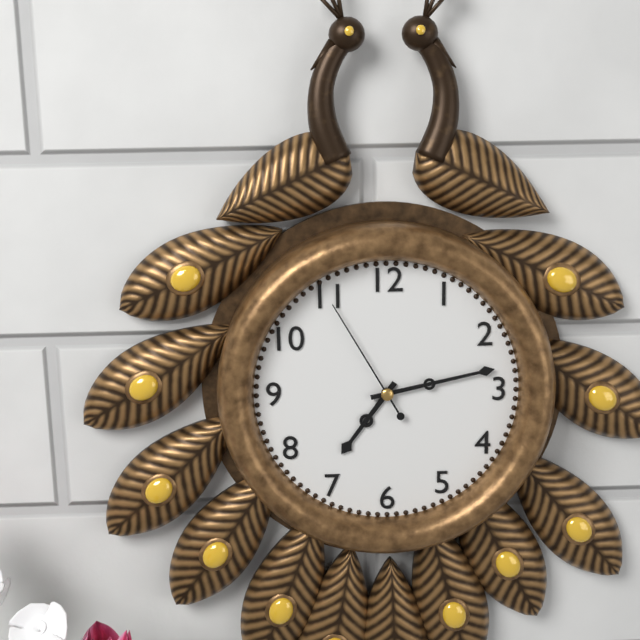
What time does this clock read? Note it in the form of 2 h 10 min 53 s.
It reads 7 h 13 min 55 s
